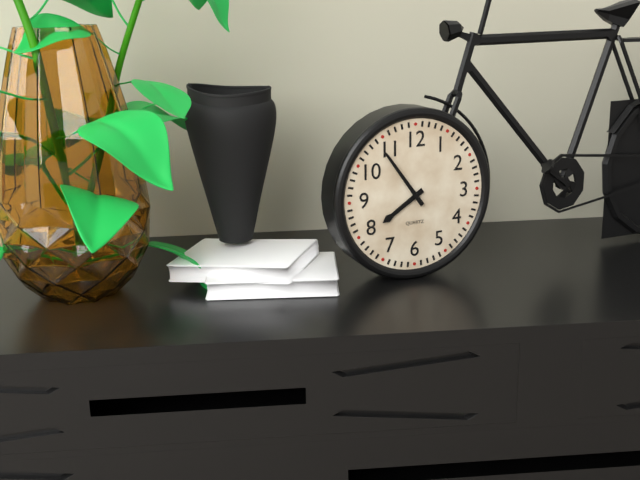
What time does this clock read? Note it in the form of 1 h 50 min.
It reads 7 h 54 min
